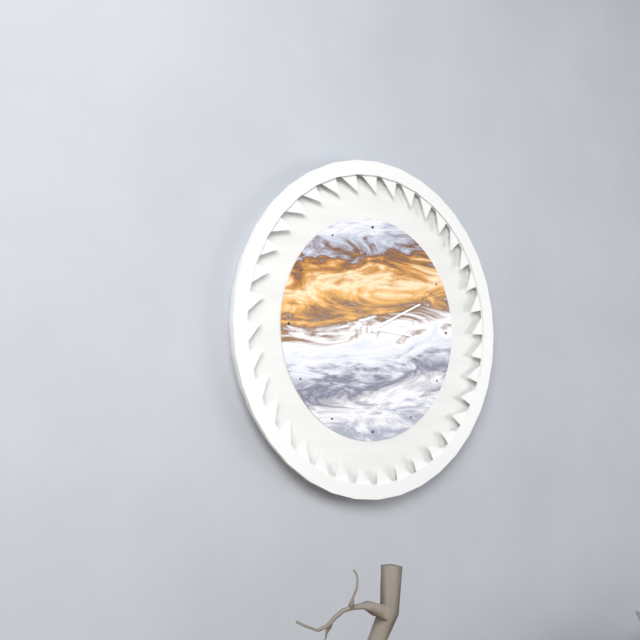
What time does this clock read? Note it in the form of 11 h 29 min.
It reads 3 h 11 min
